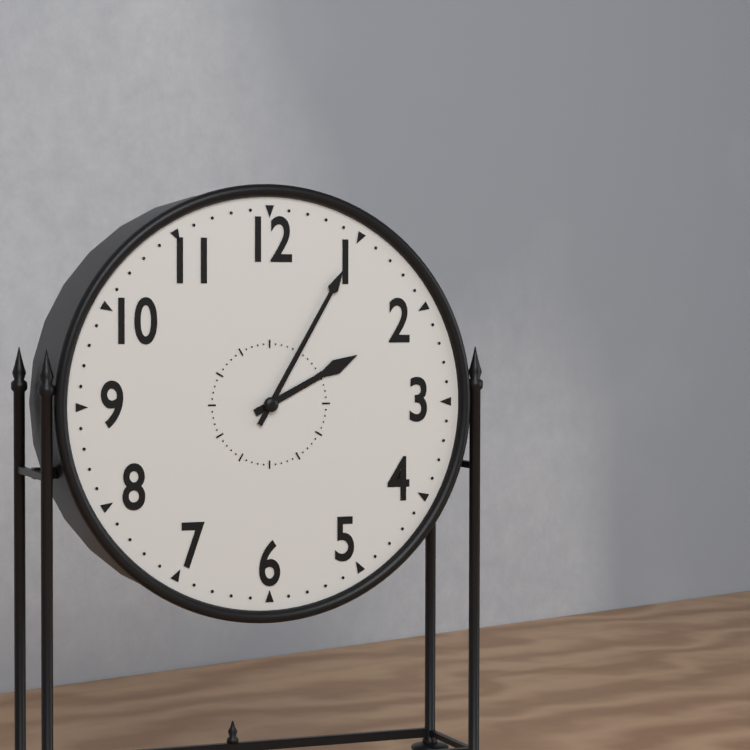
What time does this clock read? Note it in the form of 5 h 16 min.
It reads 2 h 05 min
